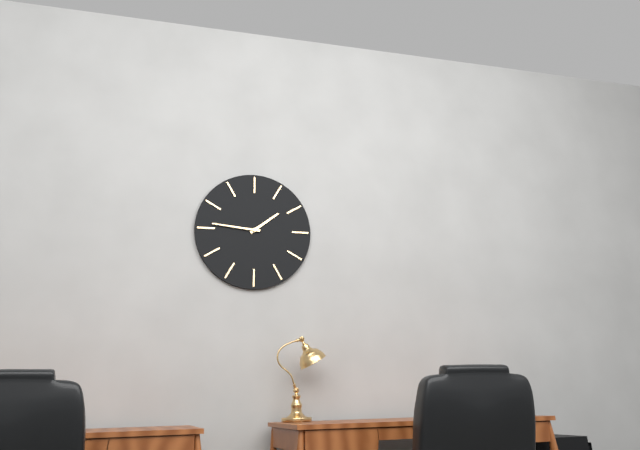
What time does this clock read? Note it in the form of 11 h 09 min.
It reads 1 h 46 min
